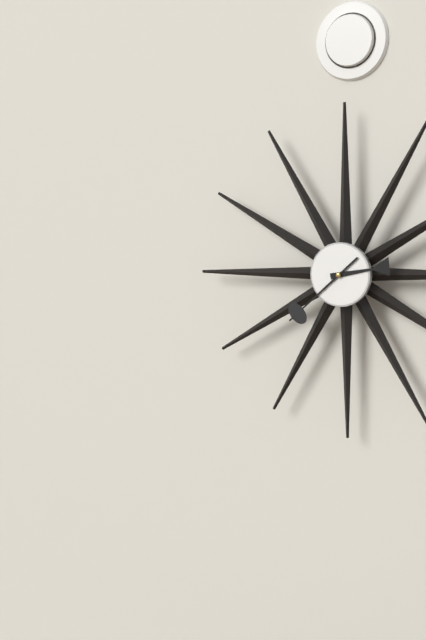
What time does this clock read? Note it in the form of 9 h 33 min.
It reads 2 h 38 min
